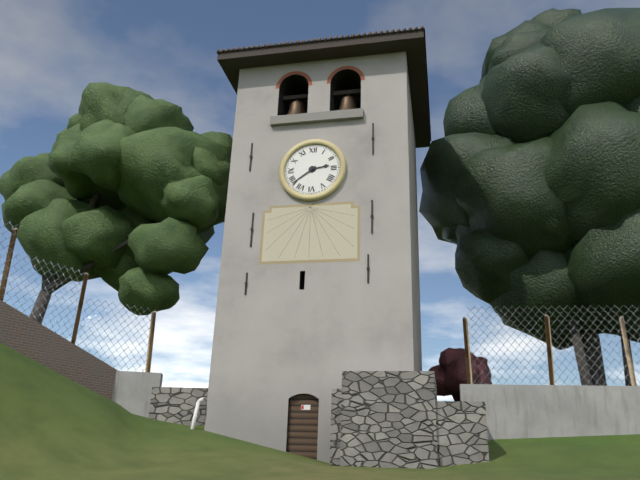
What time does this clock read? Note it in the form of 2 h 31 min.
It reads 2 h 39 min
